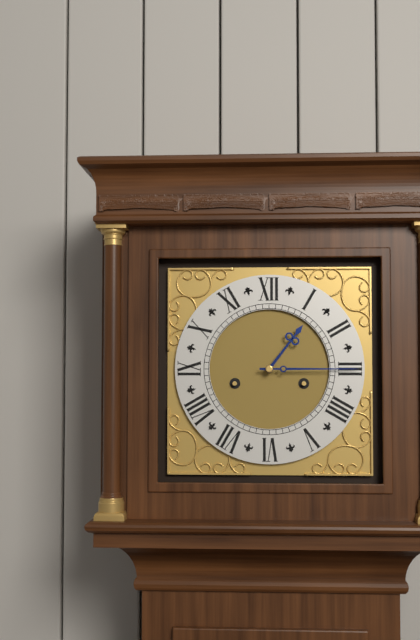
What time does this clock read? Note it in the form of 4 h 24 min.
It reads 1 h 15 min
